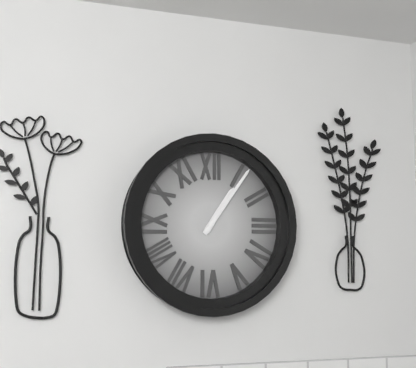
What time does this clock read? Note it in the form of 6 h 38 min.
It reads 1 h 06 min
